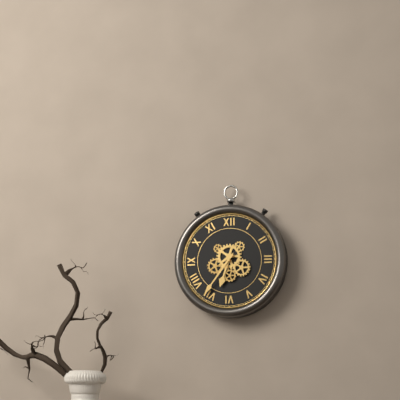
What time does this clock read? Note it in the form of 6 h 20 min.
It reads 6 h 36 min
